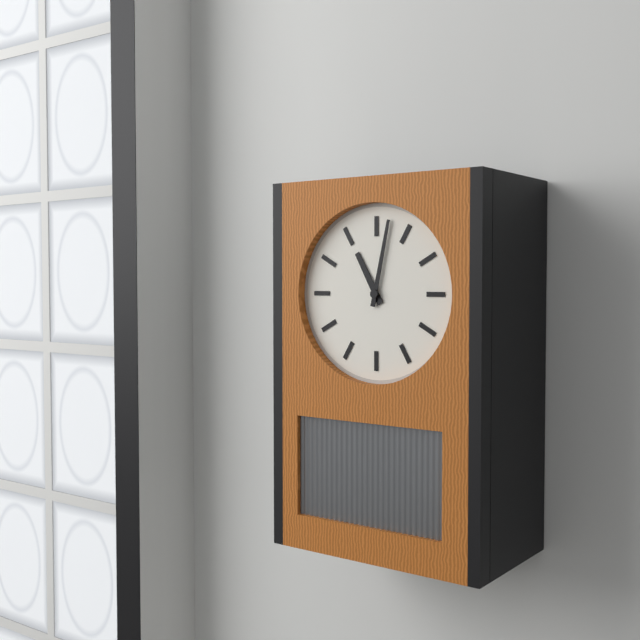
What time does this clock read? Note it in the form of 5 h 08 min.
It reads 11 h 02 min
